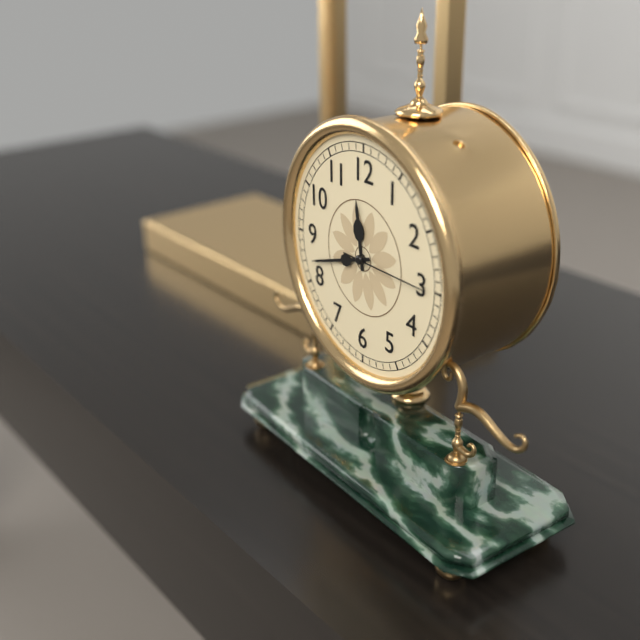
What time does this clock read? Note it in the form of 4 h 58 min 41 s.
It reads 11 h 42 min 15 s
